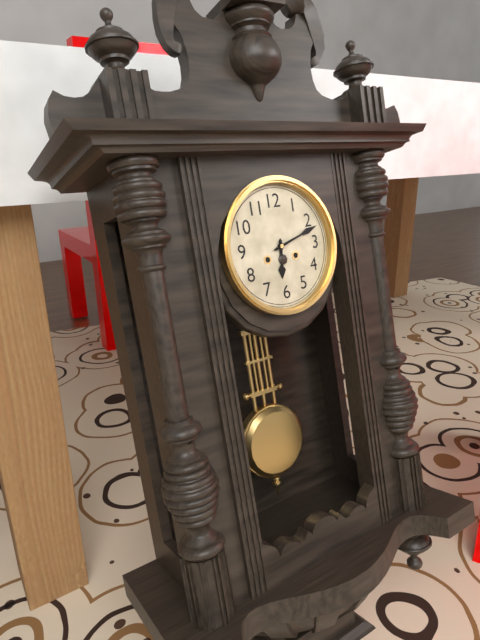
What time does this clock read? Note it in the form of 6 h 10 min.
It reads 6 h 12 min
